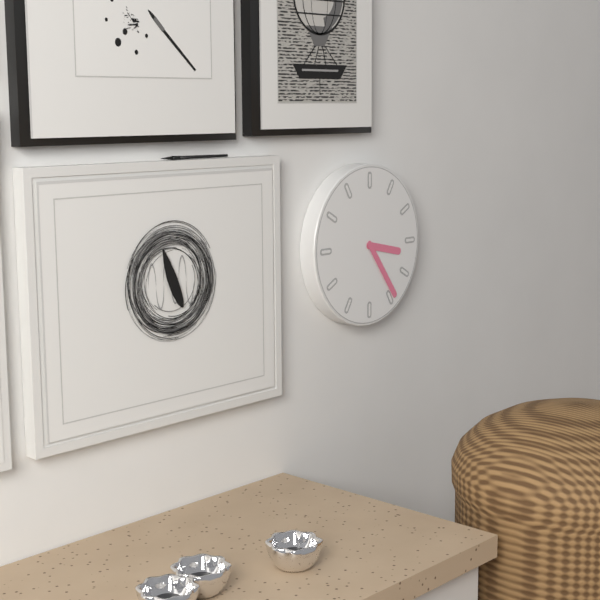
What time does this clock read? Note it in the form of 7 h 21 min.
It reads 3 h 24 min
